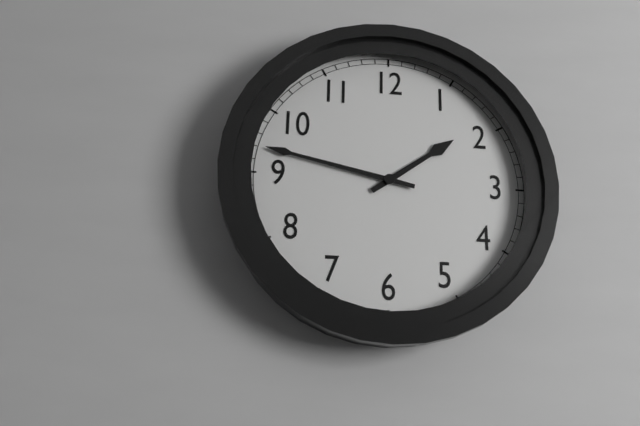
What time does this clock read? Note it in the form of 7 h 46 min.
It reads 1 h 47 min
